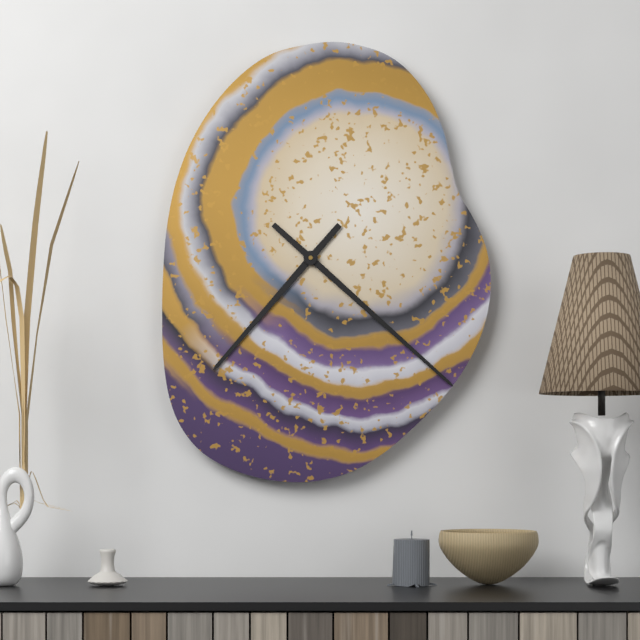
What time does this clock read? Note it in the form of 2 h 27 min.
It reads 7 h 22 min
